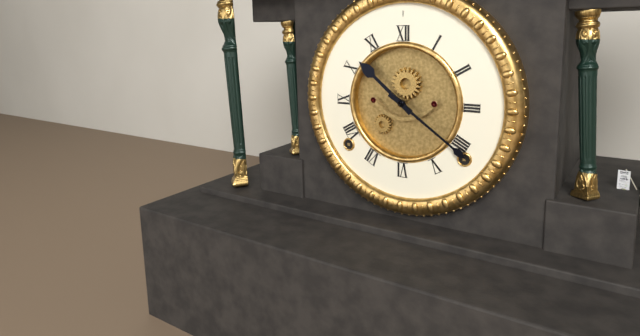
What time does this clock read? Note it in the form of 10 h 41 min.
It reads 10 h 21 min
